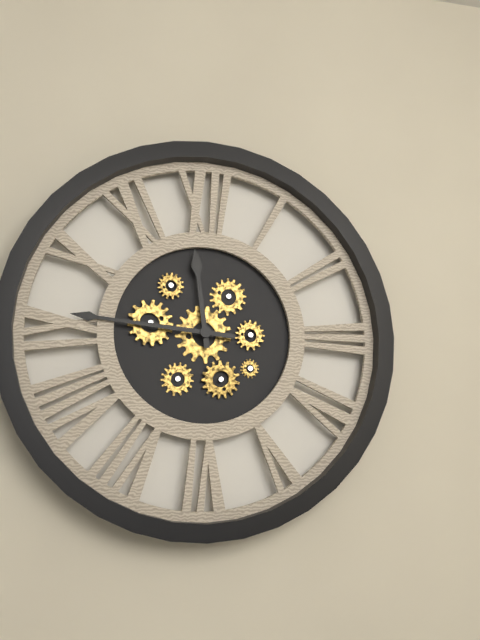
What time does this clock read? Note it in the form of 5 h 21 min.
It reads 11 h 46 min
